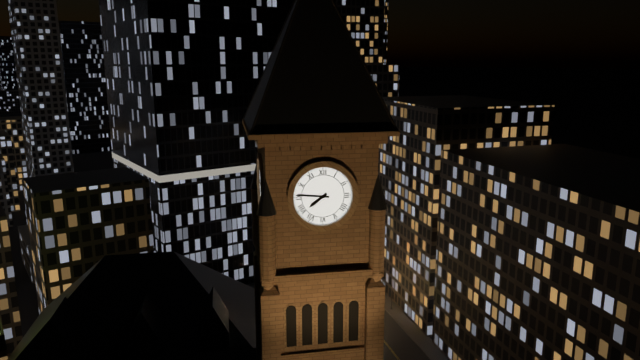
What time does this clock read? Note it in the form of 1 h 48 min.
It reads 7 h 46 min
